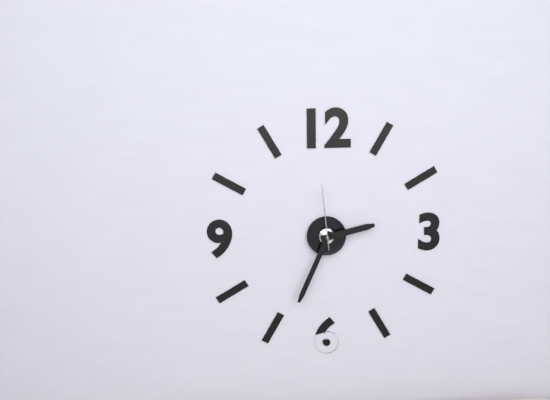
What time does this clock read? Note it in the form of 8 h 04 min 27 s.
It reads 2 h 34 min 59 s
